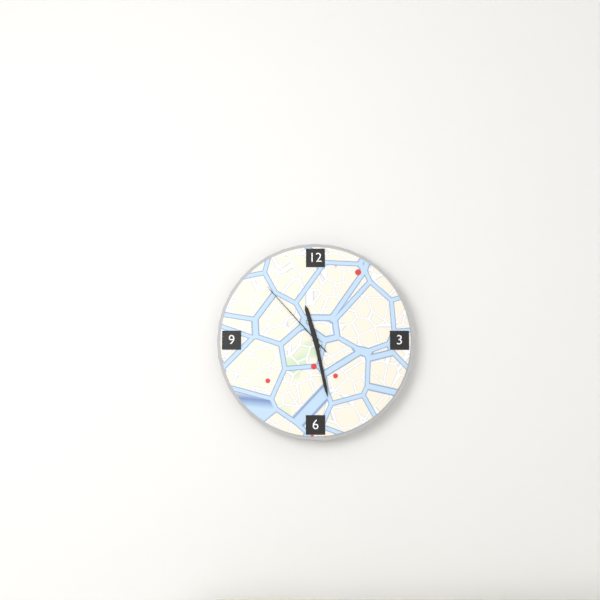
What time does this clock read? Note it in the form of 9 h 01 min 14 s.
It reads 11 h 28 min 53 s
